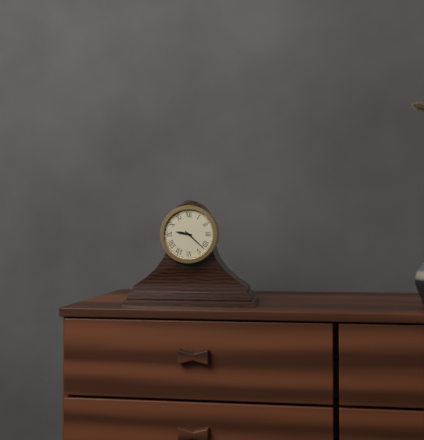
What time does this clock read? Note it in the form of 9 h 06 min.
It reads 9 h 22 min
